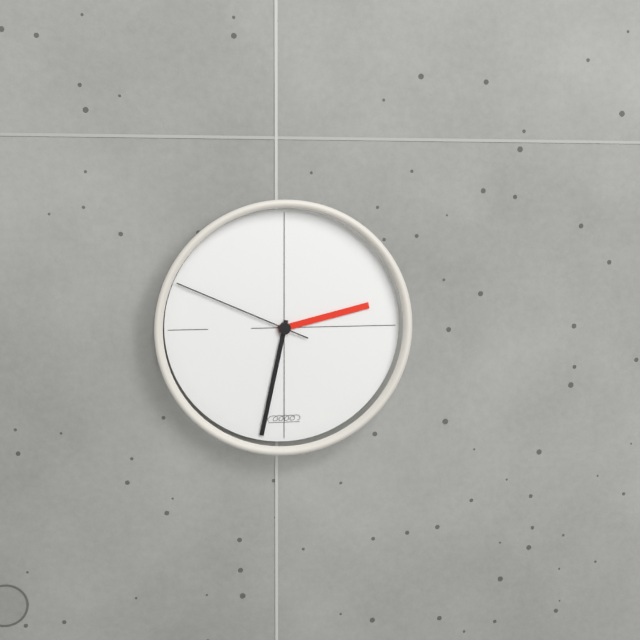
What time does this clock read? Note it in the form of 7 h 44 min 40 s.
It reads 2 h 32 min 49 s
